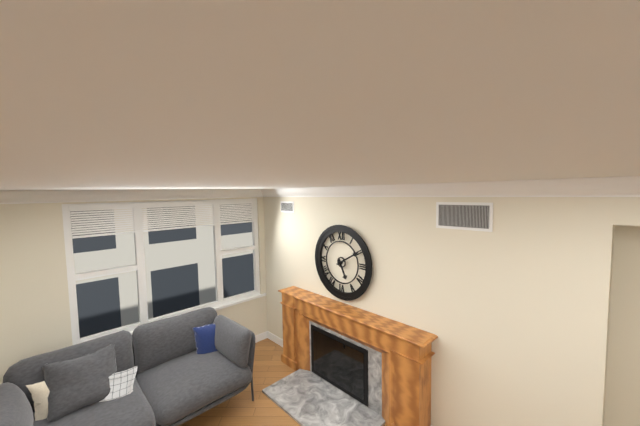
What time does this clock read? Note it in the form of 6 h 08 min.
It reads 5 h 10 min
